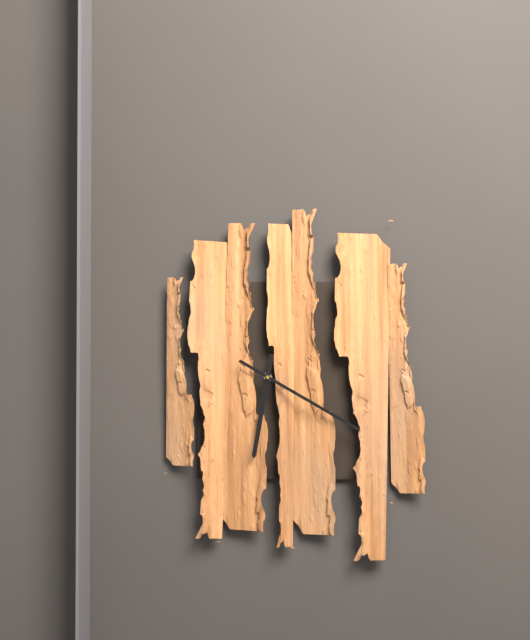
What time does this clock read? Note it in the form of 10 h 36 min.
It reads 6 h 20 min
